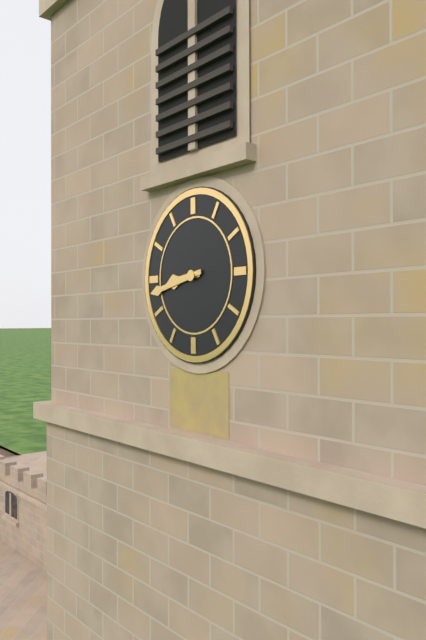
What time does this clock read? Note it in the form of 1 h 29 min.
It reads 8 h 43 min
